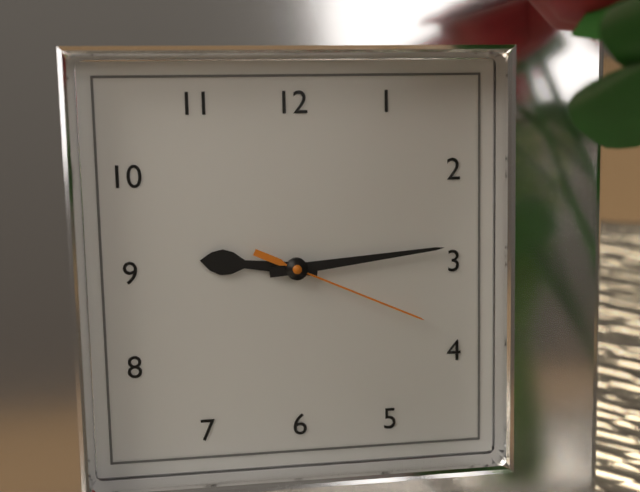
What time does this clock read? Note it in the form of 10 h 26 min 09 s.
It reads 9 h 14 min 19 s
